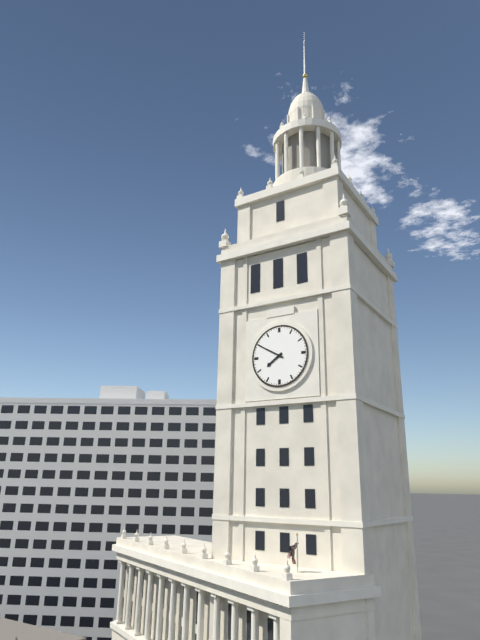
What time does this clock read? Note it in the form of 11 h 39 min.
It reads 7 h 50 min
